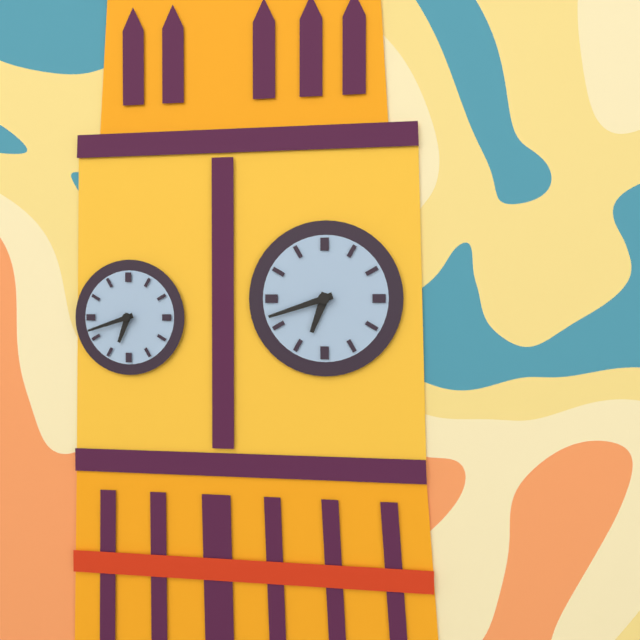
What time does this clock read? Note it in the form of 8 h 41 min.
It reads 6 h 42 min
